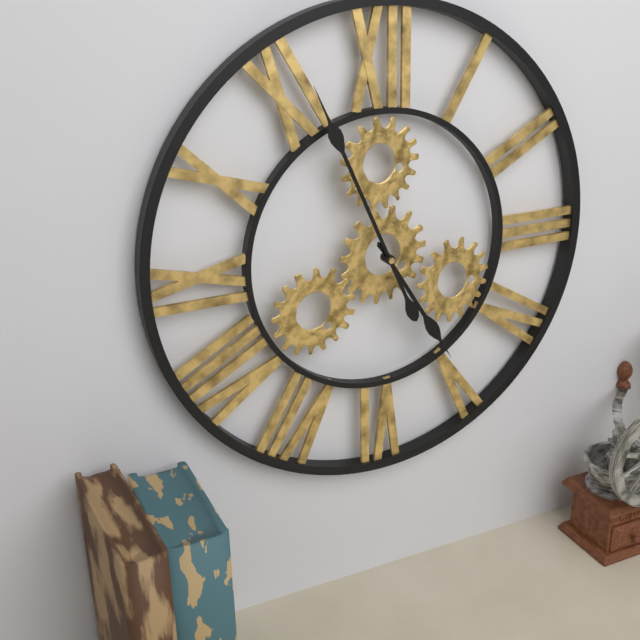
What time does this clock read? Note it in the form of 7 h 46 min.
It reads 4 h 56 min
